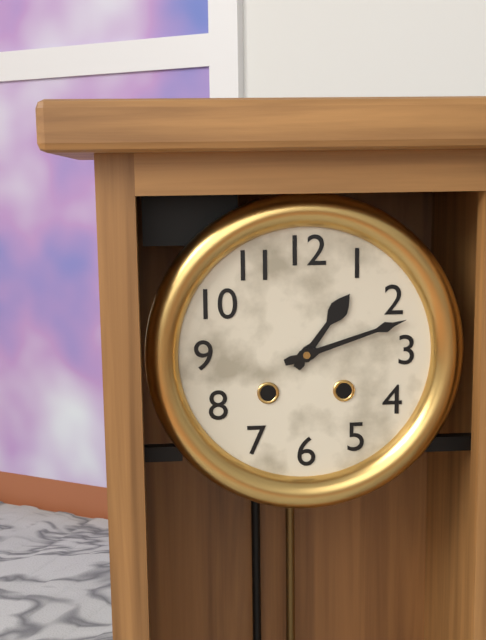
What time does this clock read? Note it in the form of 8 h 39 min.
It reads 1 h 12 min
